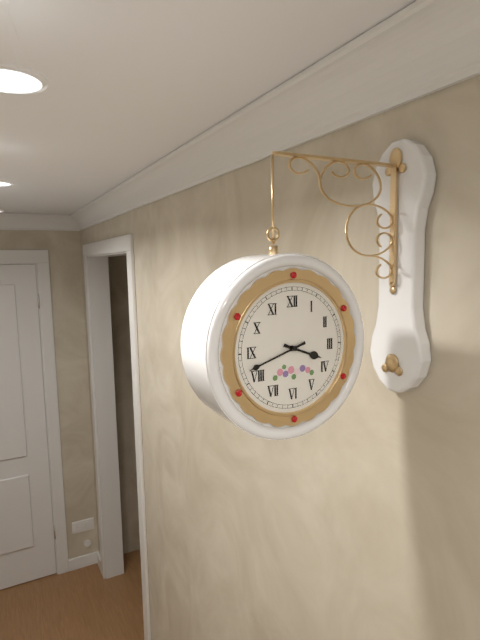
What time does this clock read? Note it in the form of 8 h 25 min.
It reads 3 h 42 min
